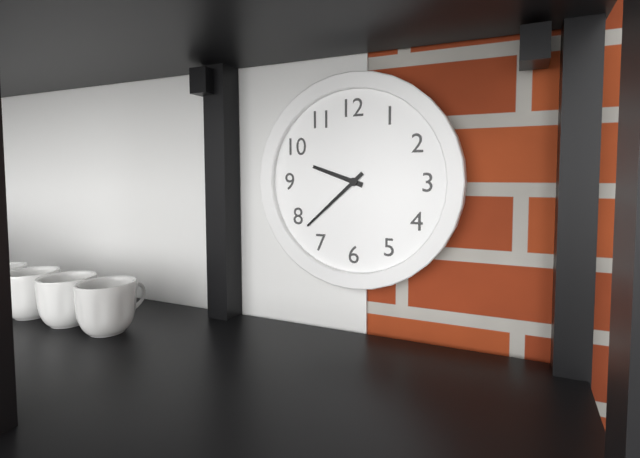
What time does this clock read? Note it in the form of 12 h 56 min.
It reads 9 h 38 min
